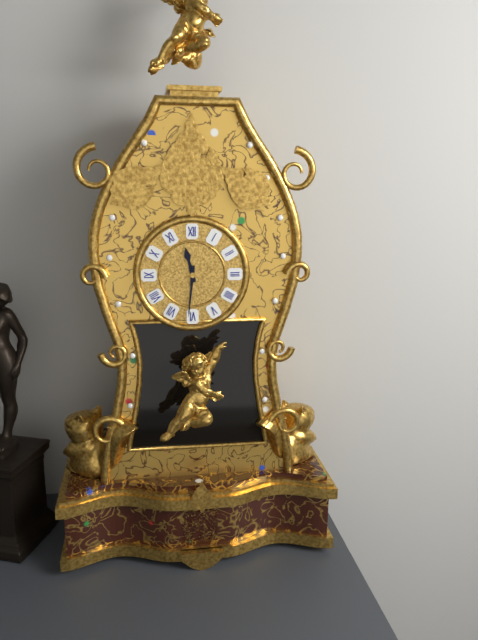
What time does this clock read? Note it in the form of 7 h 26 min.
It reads 11 h 31 min
